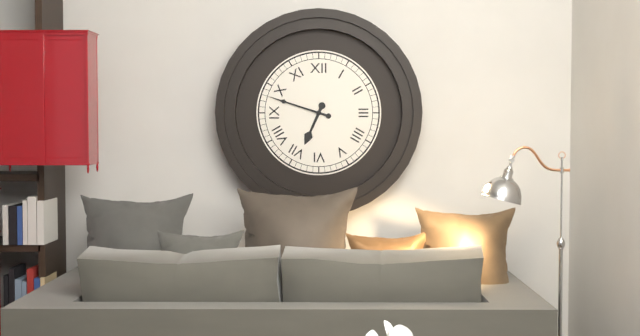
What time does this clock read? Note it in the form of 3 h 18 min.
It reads 6 h 48 min
